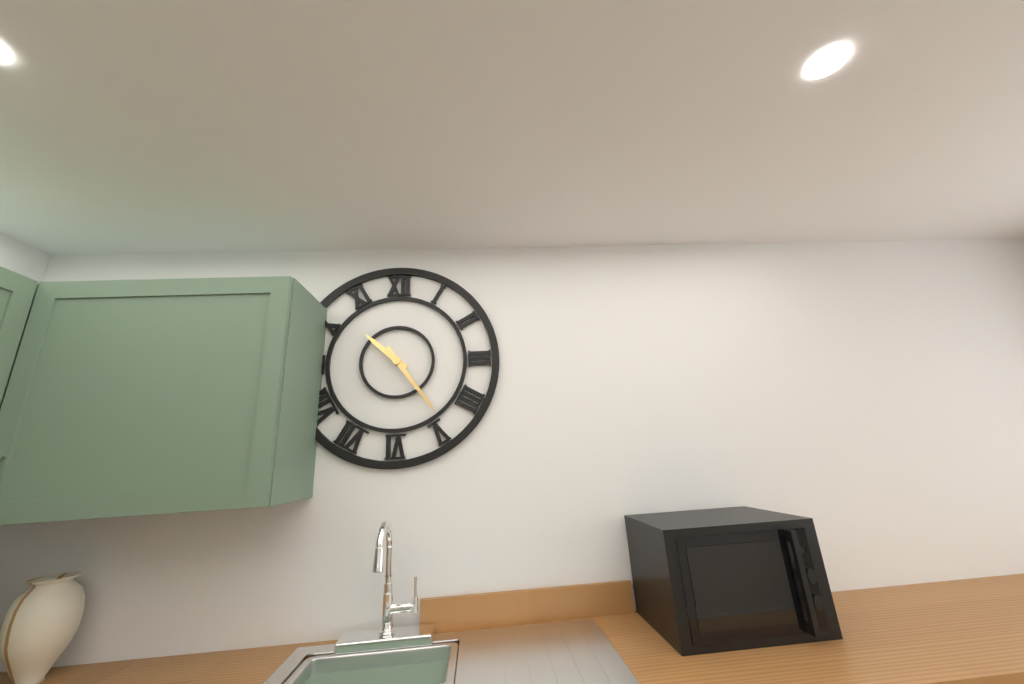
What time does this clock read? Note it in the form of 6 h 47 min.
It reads 10 h 24 min
